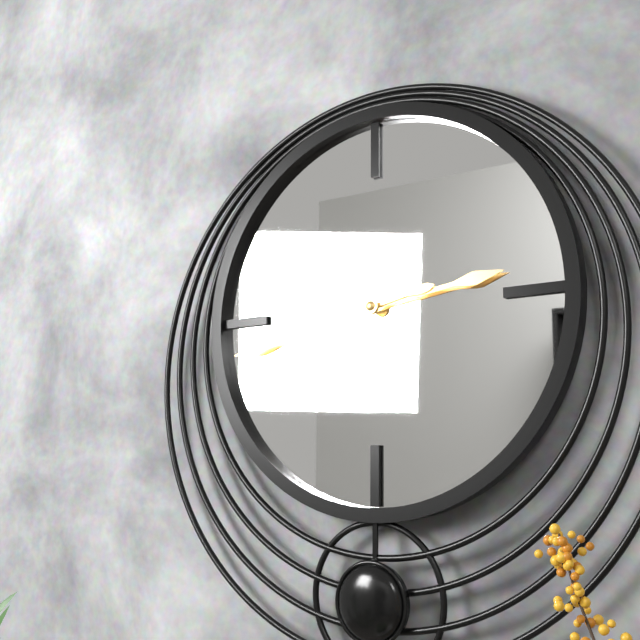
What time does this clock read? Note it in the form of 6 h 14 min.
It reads 2 h 43 min
